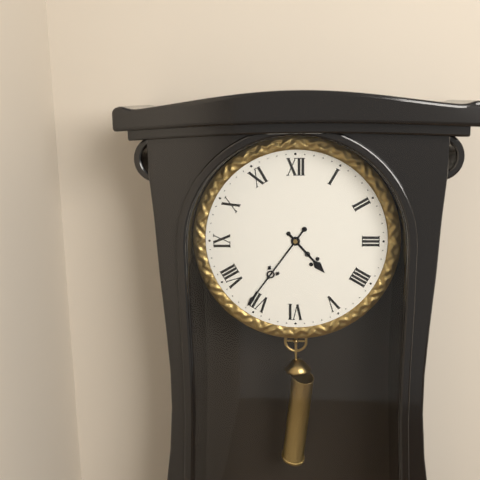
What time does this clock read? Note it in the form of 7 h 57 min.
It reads 4 h 36 min
